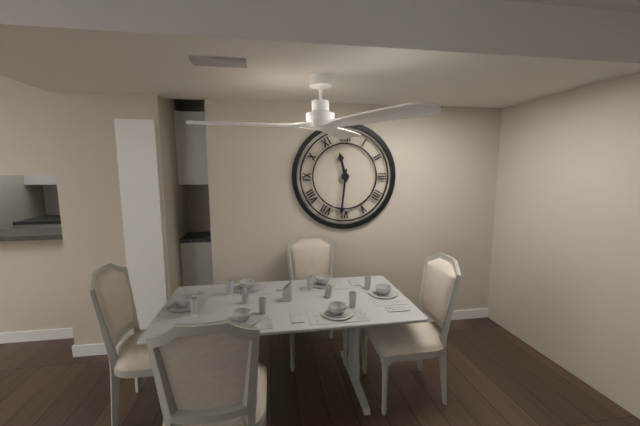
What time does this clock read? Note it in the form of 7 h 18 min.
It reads 11 h 31 min
